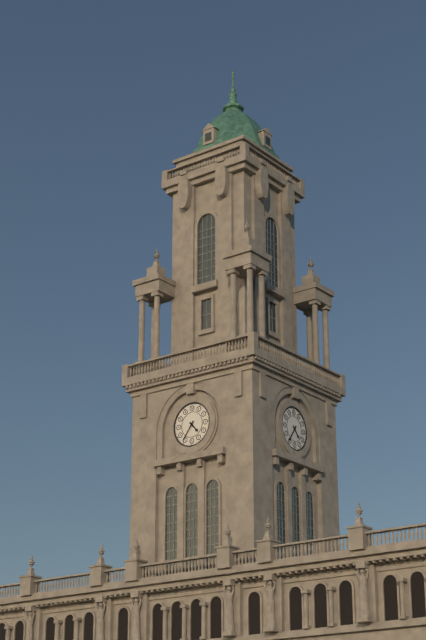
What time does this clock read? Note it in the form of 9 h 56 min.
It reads 4 h 36 min
